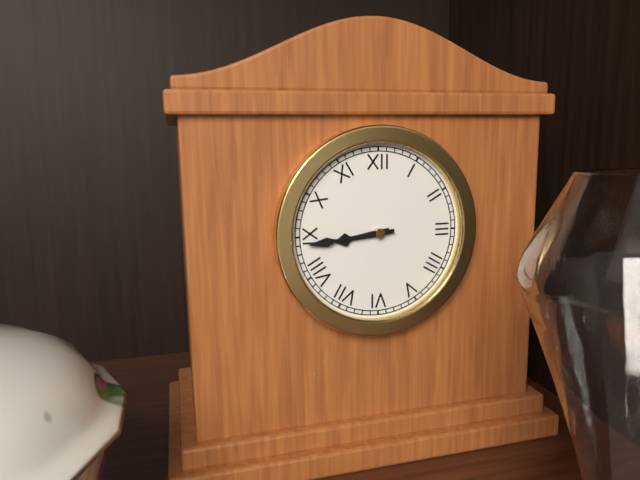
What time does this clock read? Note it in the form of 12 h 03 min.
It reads 8 h 44 min
